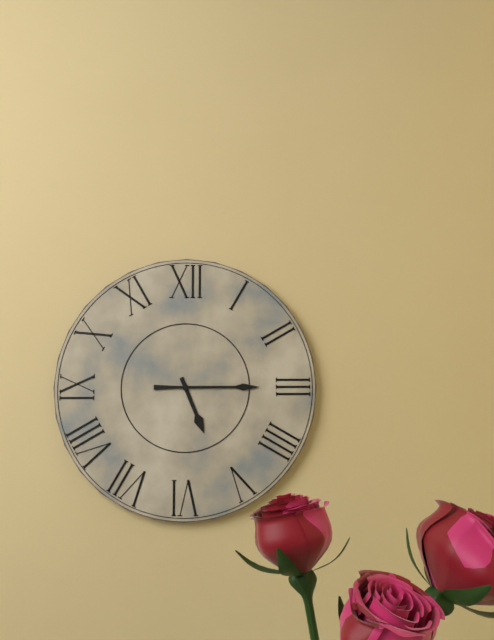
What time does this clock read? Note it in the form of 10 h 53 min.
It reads 5 h 15 min
